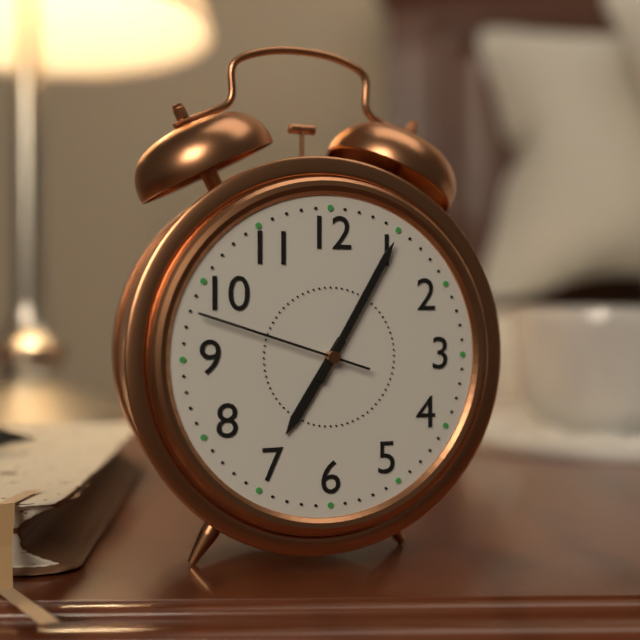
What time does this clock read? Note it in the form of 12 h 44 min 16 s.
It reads 7 h 05 min 48 s
